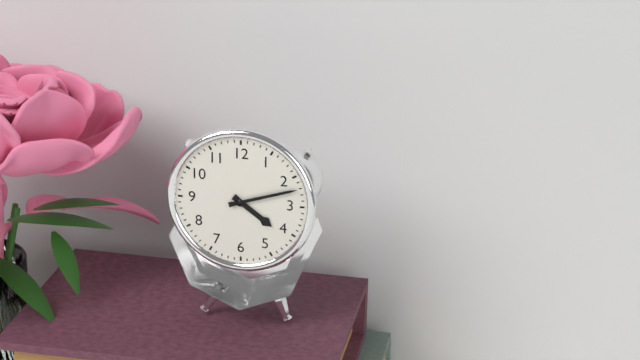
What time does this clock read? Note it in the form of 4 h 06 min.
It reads 4 h 12 min
